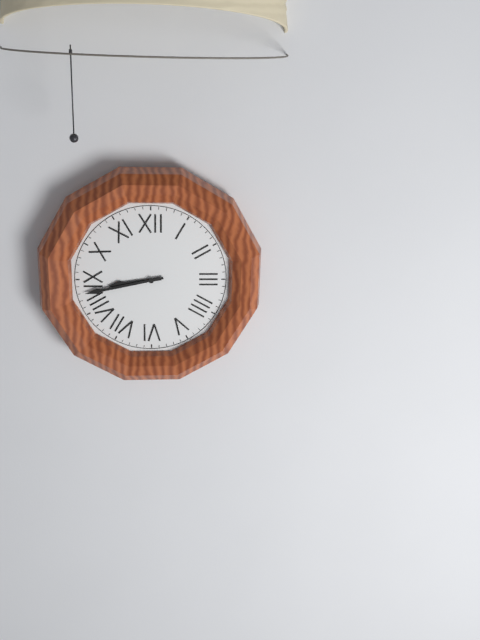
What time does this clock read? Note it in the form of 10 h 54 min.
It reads 8 h 43 min
